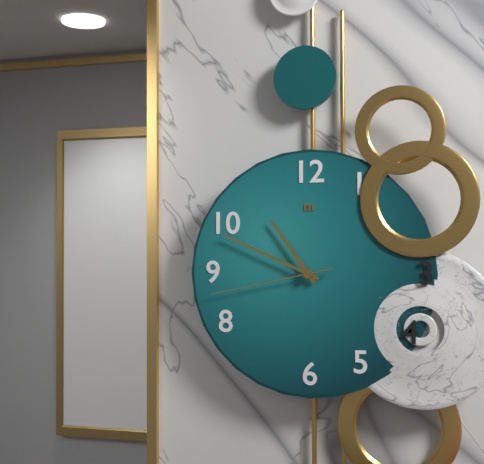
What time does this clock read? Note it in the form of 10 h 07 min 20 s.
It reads 10 h 49 min 43 s
